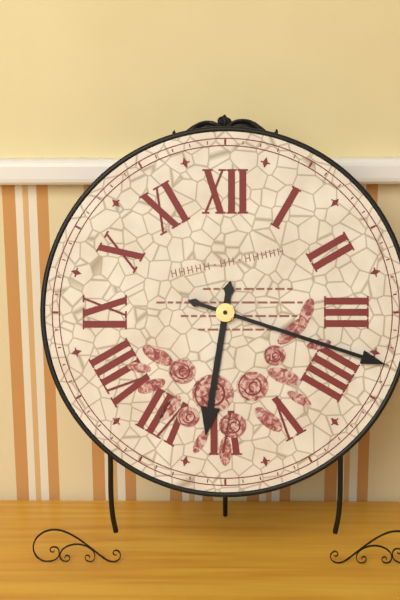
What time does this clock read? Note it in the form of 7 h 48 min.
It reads 6 h 18 min
